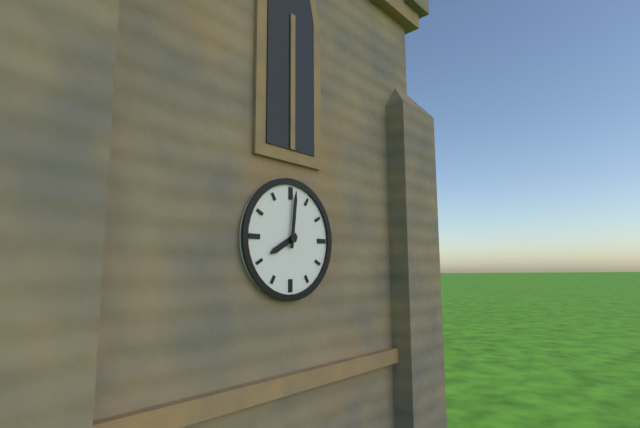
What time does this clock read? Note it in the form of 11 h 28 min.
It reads 8 h 01 min
